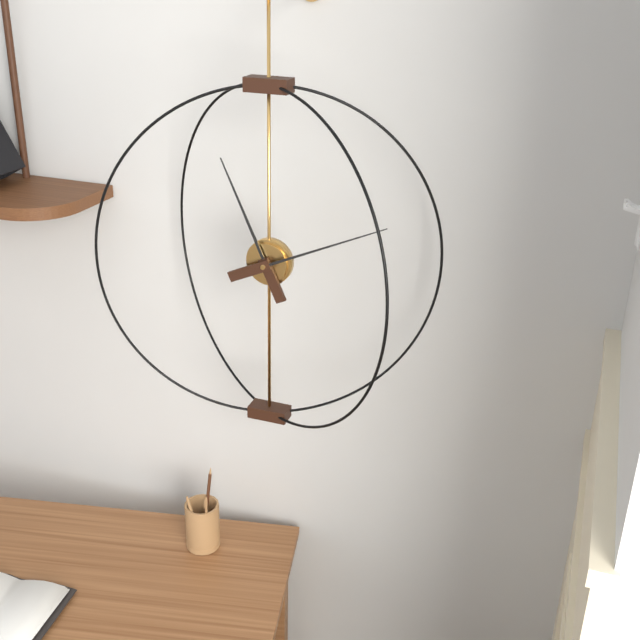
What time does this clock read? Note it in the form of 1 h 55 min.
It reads 11 h 11 min
